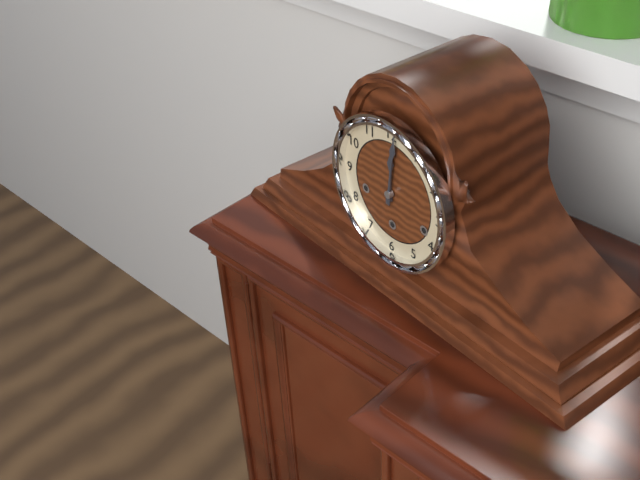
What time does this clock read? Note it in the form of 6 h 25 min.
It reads 12 h 01 min
